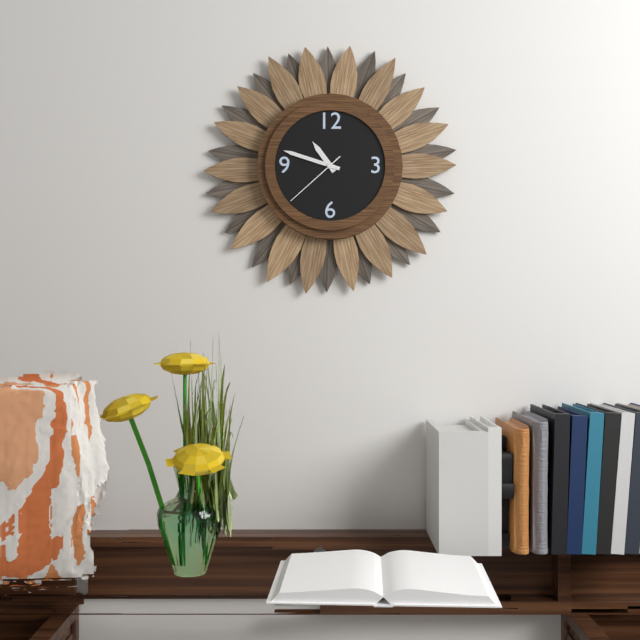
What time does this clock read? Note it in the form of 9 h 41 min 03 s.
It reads 10 h 48 min 38 s
